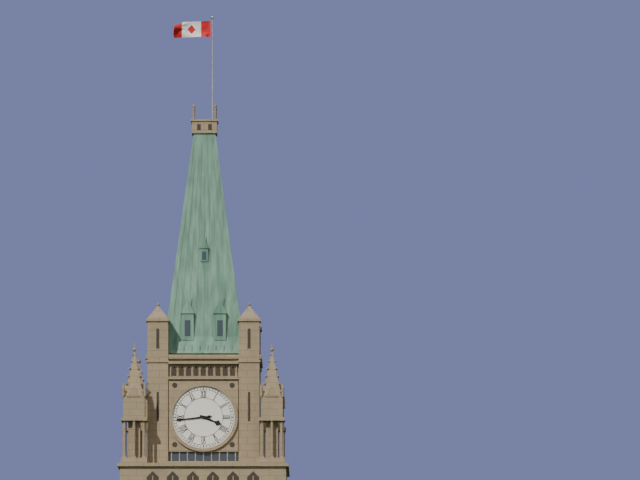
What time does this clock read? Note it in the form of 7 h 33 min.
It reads 3 h 44 min
